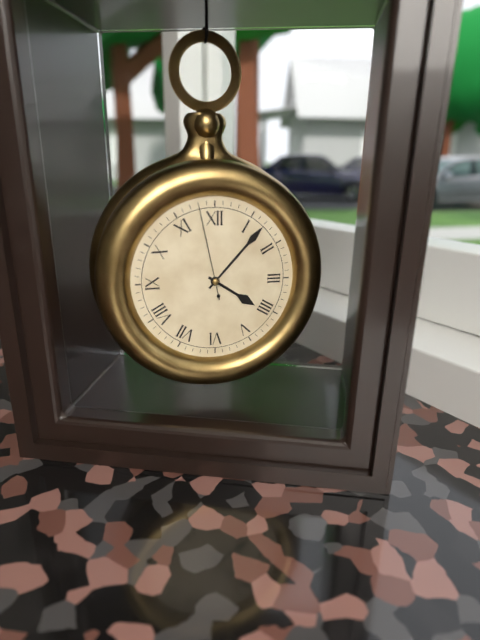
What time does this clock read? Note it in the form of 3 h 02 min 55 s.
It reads 4 h 07 min 58 s
